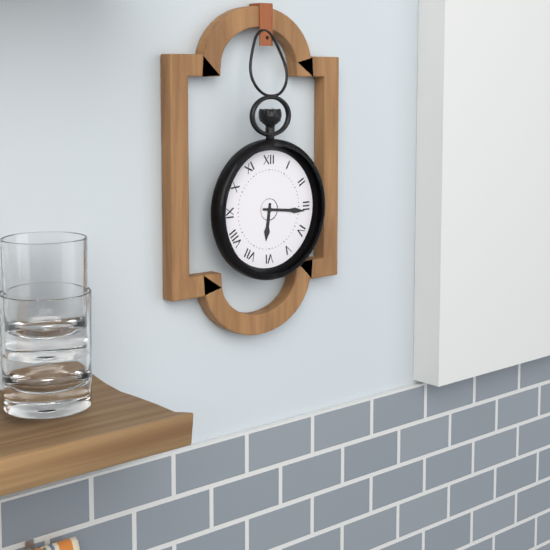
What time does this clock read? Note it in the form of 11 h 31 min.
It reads 6 h 16 min
